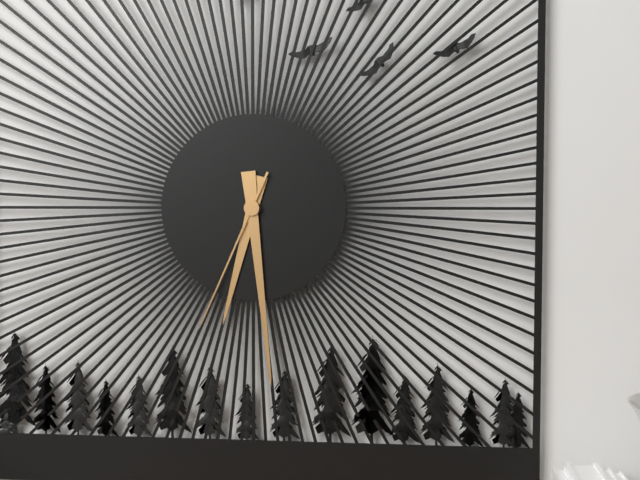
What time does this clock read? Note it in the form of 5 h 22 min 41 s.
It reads 6 h 29 min 34 s
